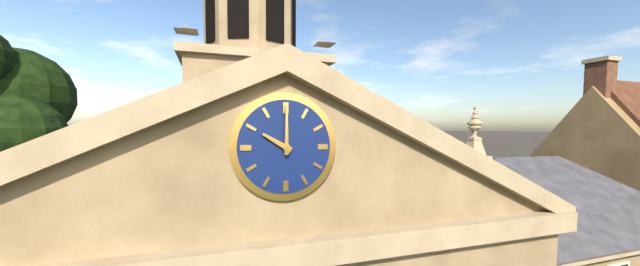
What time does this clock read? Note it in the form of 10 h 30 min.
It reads 10 h 00 min
